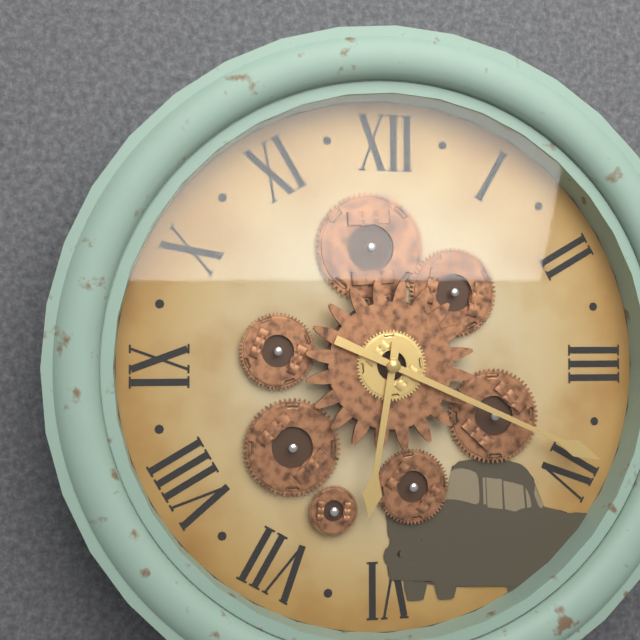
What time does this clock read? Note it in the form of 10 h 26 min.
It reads 6 h 19 min
